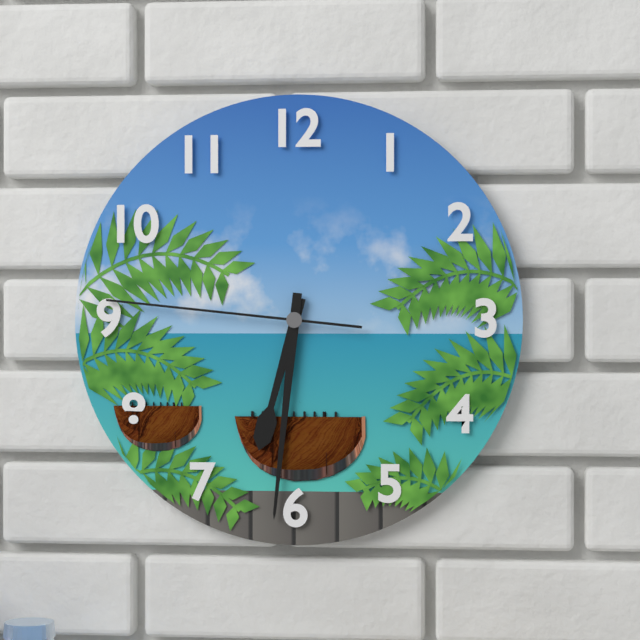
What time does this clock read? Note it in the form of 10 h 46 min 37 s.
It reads 6 h 31 min 46 s
